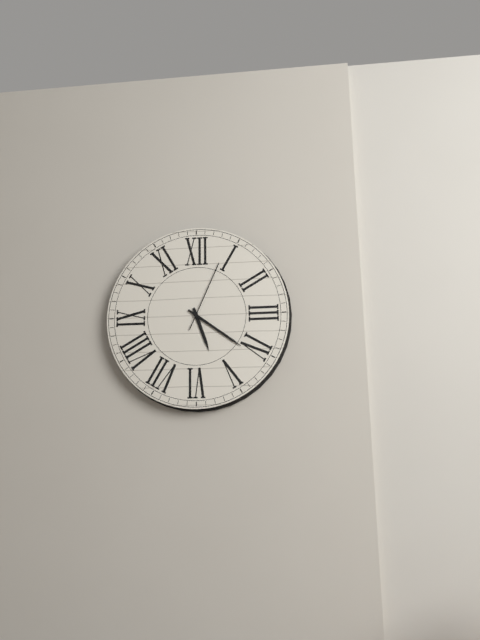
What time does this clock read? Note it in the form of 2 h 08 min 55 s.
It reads 5 h 21 min 04 s
